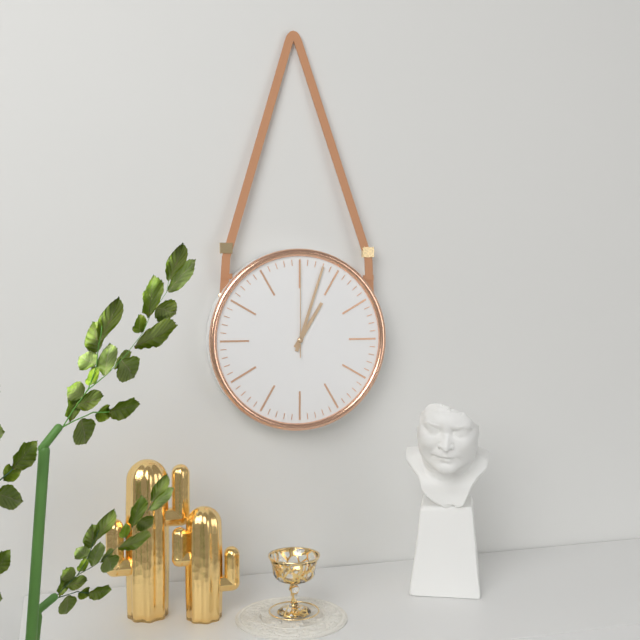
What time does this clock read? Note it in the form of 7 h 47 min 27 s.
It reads 1 h 03 min 00 s
